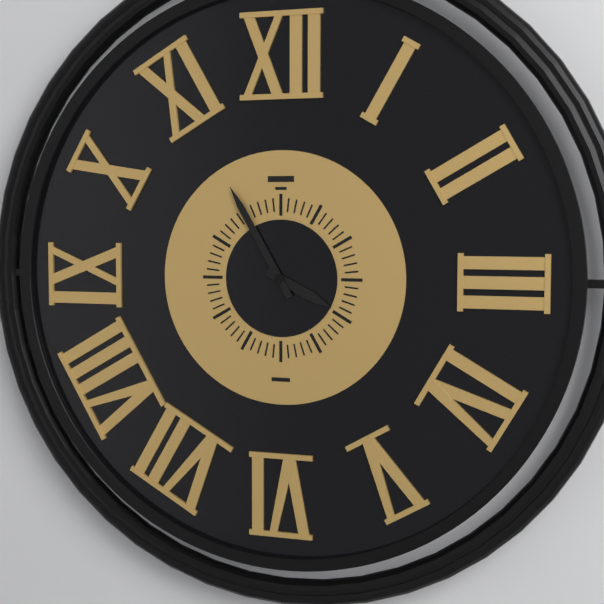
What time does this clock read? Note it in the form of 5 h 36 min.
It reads 3 h 55 min
